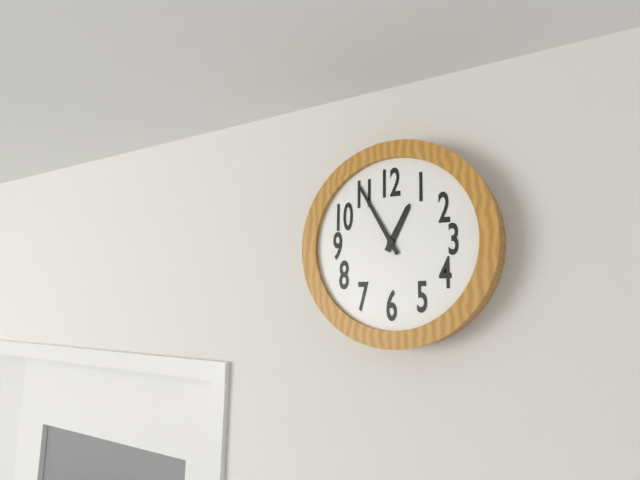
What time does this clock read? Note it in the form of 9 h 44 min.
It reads 12 h 55 min
